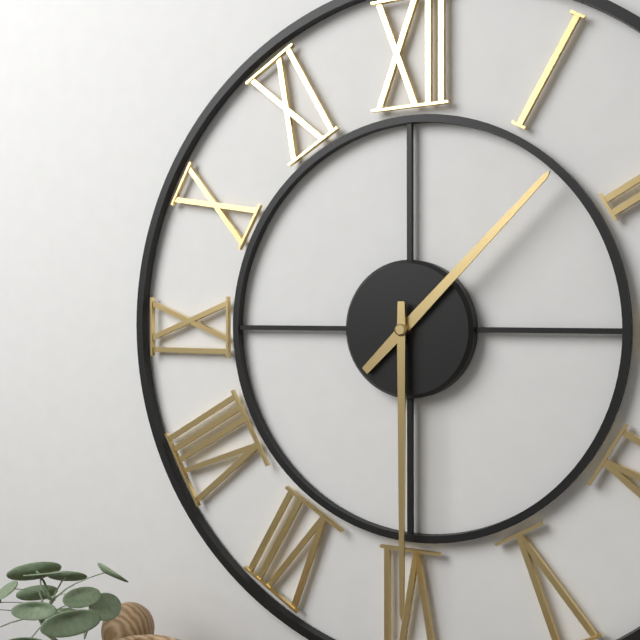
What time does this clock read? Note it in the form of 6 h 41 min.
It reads 1 h 30 min
